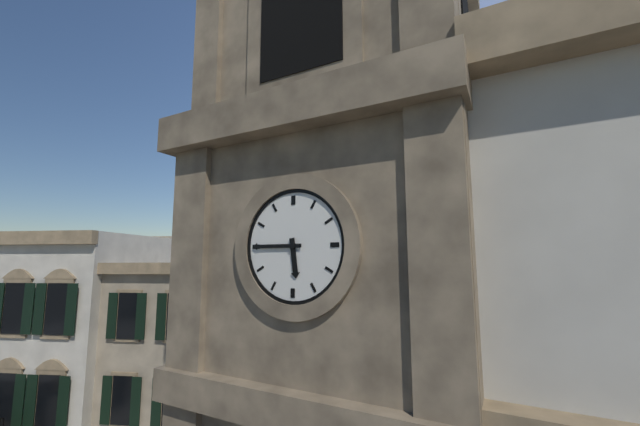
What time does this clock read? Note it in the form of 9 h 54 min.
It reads 5 h 45 min
